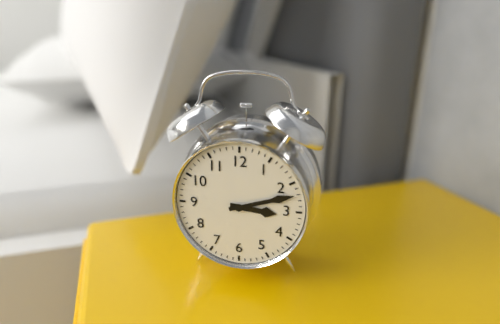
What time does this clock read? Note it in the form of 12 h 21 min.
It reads 3 h 12 min
